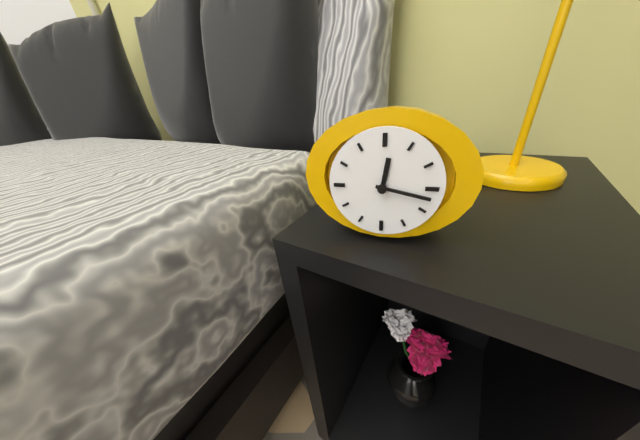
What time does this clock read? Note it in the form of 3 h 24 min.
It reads 12 h 17 min
